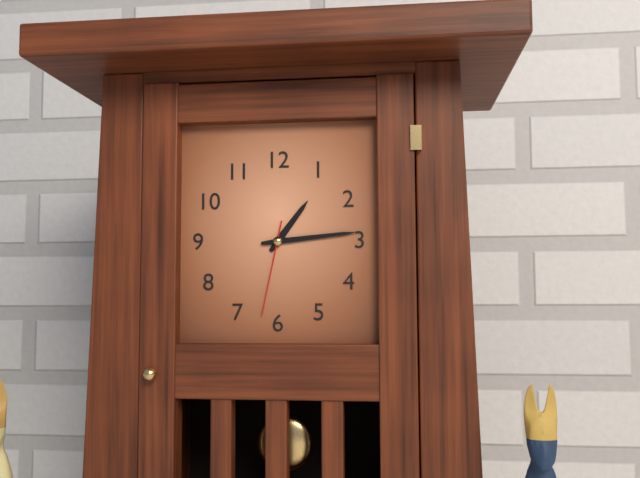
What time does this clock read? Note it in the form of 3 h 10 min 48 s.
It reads 1 h 14 min 32 s
